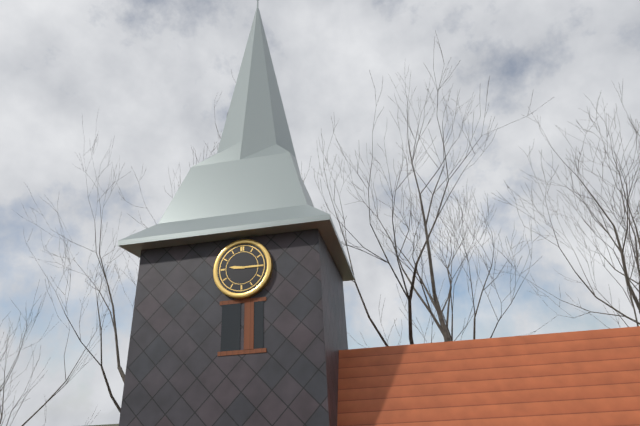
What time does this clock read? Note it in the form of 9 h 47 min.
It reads 9 h 15 min
